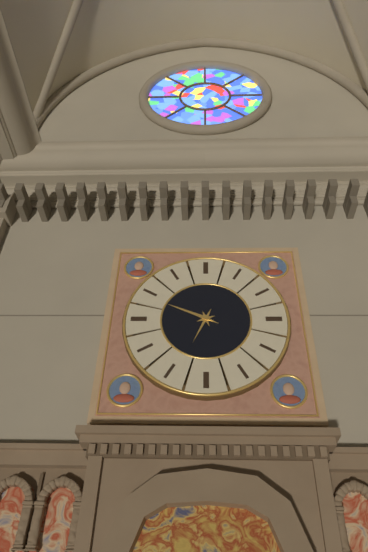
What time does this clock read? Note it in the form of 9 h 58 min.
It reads 6 h 49 min
